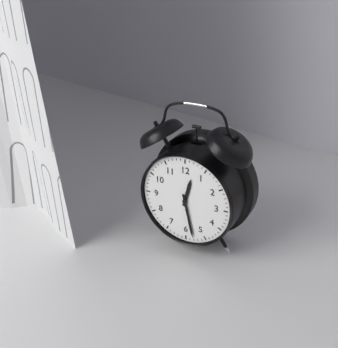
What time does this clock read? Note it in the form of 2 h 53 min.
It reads 12 h 28 min
